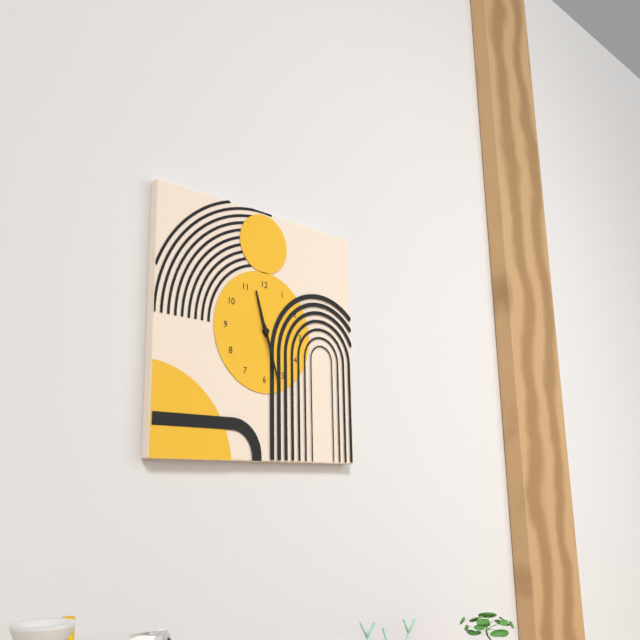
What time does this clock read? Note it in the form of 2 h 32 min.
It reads 11 h 27 min
